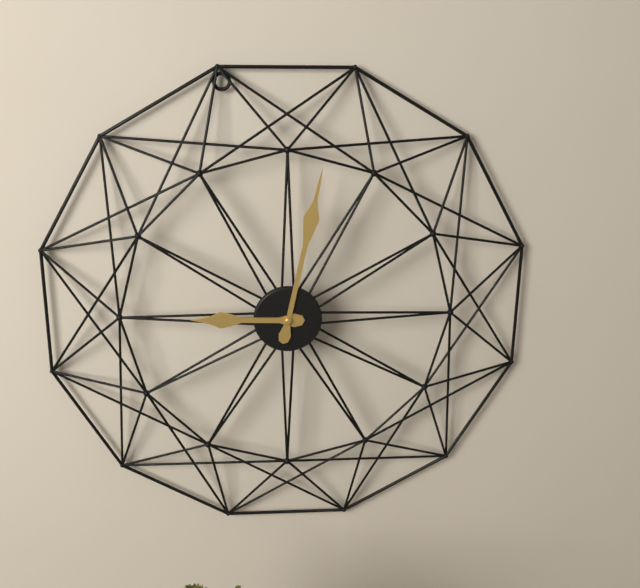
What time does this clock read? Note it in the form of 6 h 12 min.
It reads 9 h 02 min
